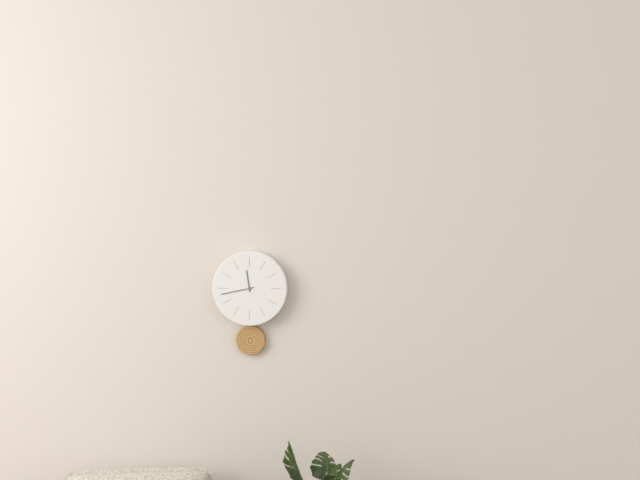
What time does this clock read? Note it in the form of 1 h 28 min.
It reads 11 h 43 min
